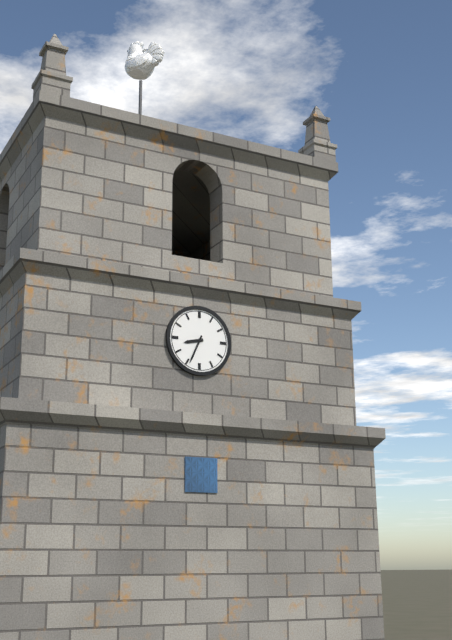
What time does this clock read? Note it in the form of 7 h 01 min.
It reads 8 h 34 min
